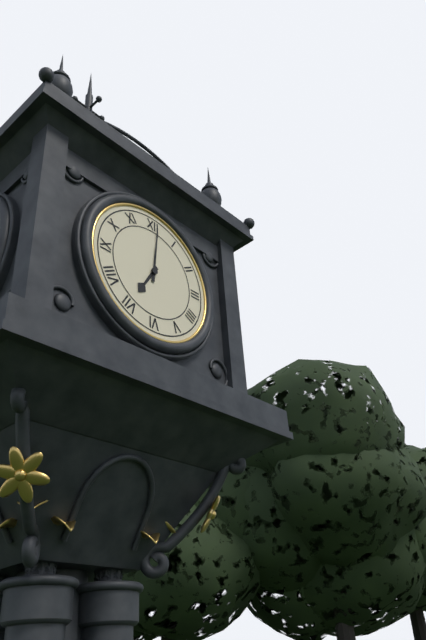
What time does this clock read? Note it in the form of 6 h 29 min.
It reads 7 h 01 min
